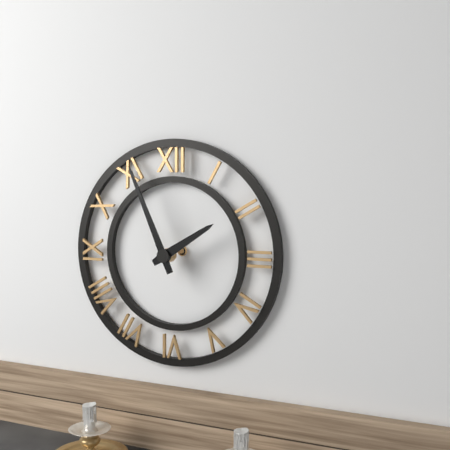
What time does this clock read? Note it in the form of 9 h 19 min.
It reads 1 h 56 min
